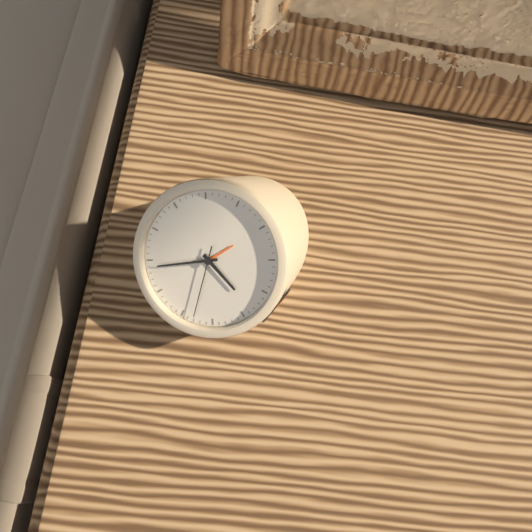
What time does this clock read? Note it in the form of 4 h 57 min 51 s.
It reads 3 h 39 min 28 s
